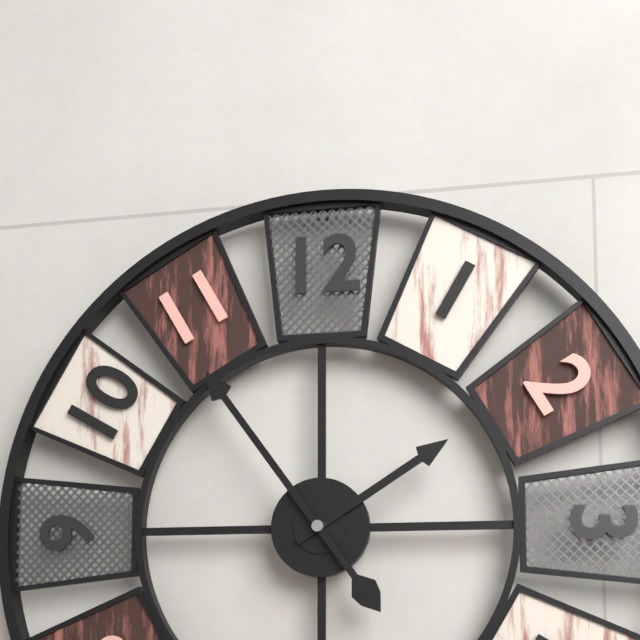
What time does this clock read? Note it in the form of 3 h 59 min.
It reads 1 h 54 min
